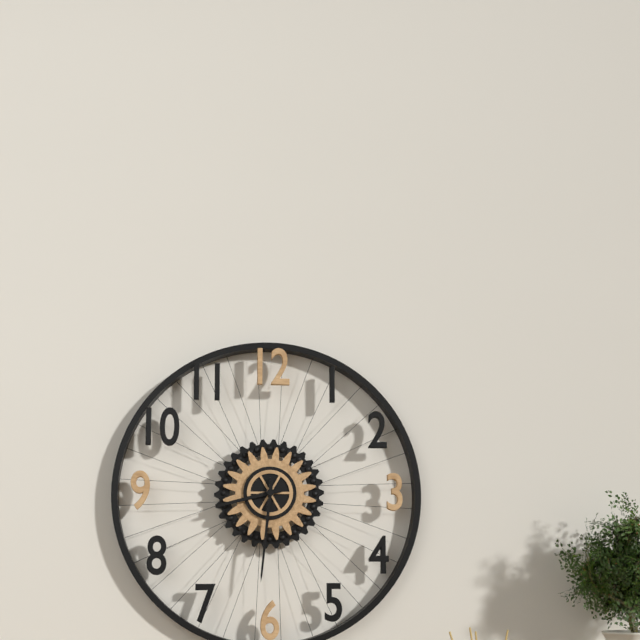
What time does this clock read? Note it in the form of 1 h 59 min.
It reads 8 h 31 min
